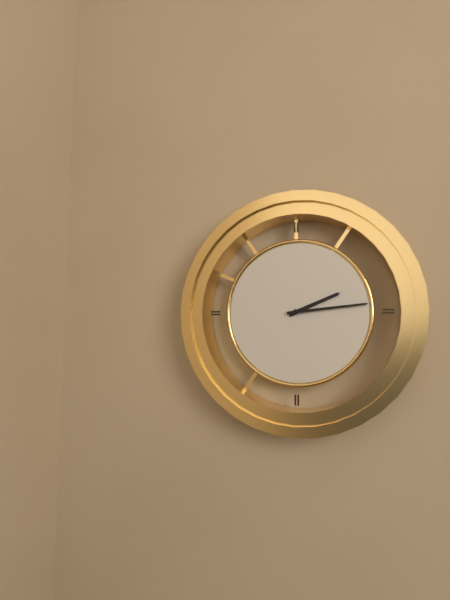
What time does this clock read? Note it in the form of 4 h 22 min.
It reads 2 h 14 min
